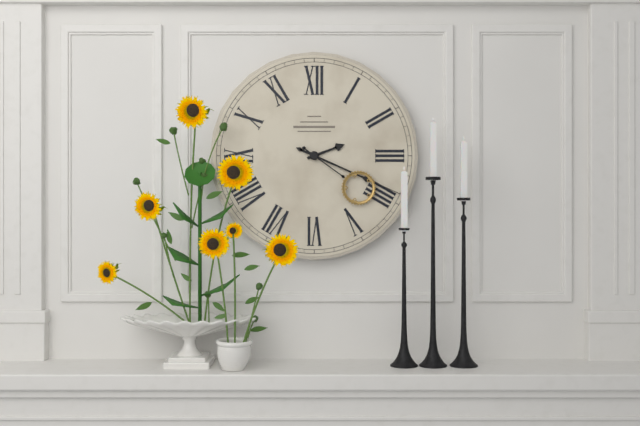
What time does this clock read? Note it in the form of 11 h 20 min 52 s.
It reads 2 h 19 min 21 s
